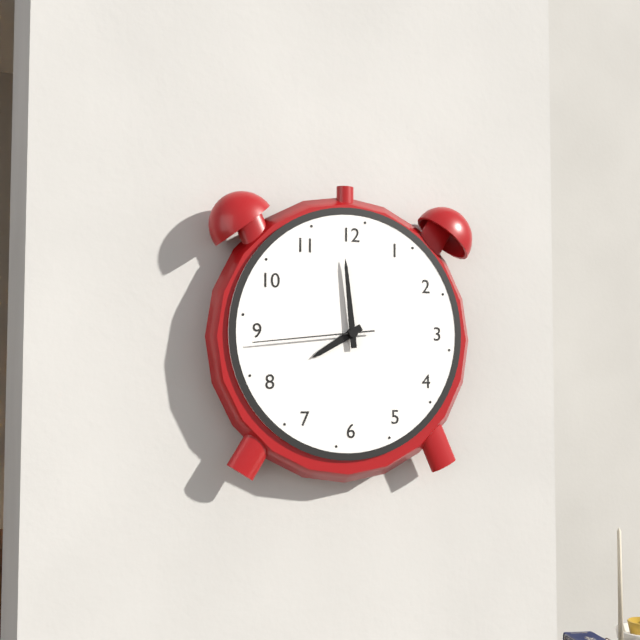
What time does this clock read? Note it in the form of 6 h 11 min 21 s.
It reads 7 h 59 min 44 s
